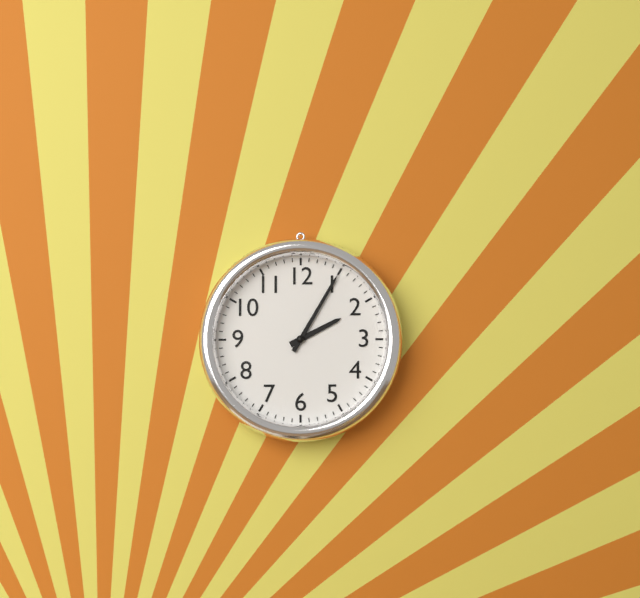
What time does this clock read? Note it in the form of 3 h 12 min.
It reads 2 h 05 min
